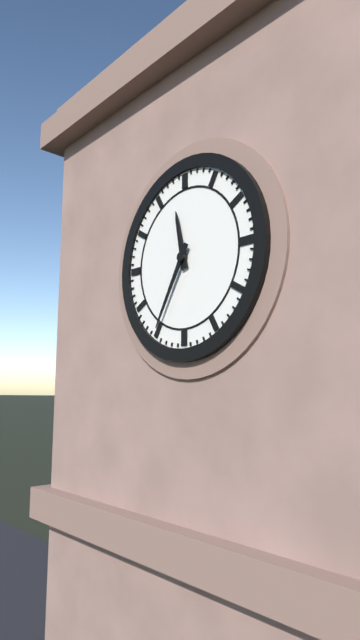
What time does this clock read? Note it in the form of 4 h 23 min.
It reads 11 h 35 min
